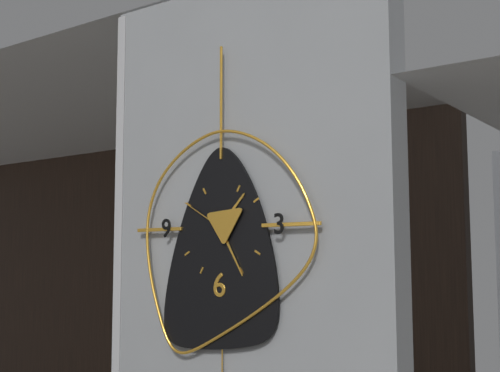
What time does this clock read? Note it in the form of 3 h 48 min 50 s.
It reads 1 h 25 min 50 s
